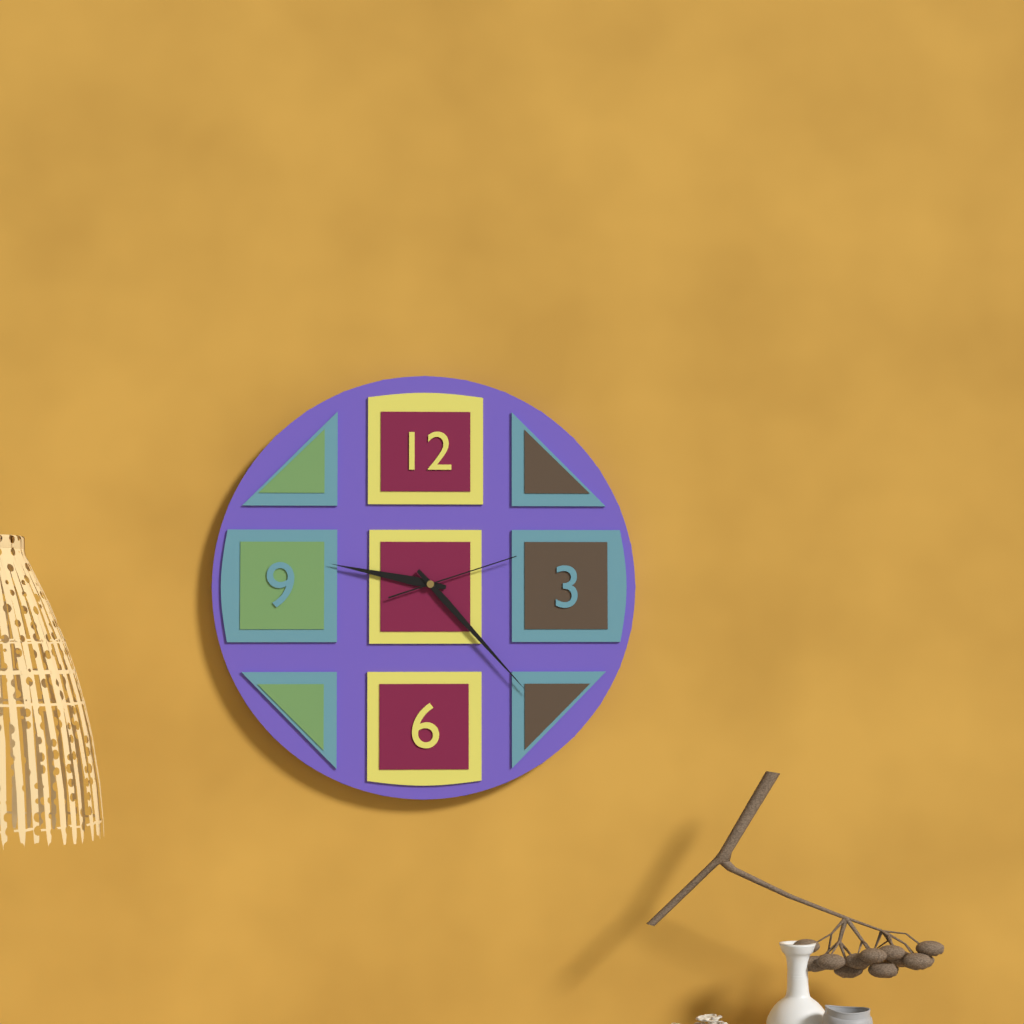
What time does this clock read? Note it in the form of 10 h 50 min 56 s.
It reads 9 h 23 min 12 s
